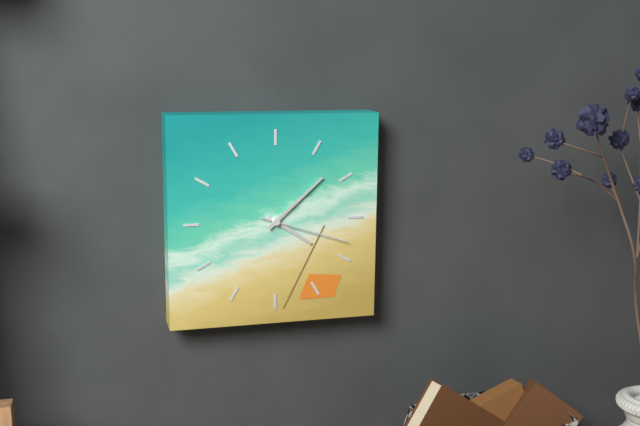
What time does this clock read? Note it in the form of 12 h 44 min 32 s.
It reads 4 h 08 min 18 s
